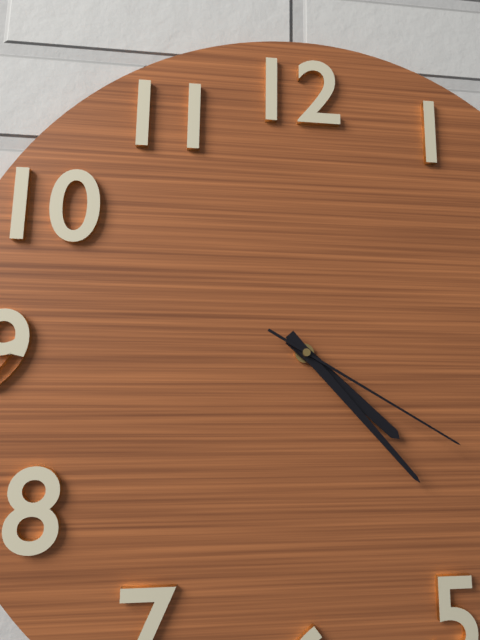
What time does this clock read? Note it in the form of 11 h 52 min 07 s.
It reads 4 h 23 min 20 s
